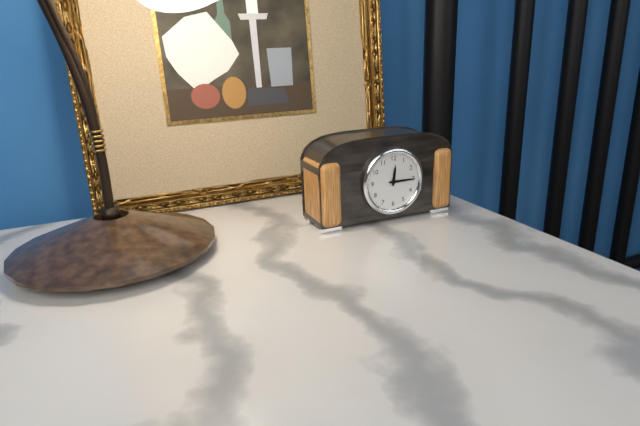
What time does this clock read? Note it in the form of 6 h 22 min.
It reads 12 h 15 min
